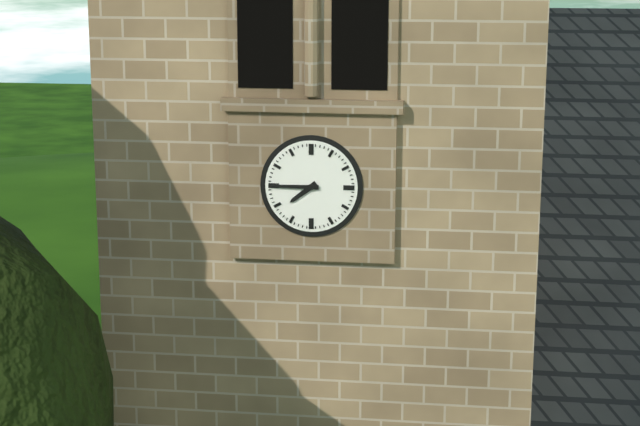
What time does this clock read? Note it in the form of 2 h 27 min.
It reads 7 h 45 min
